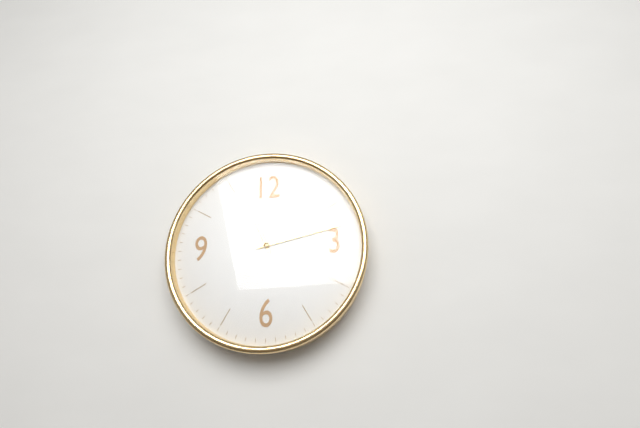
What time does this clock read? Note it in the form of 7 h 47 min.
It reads 11 h 13 min
